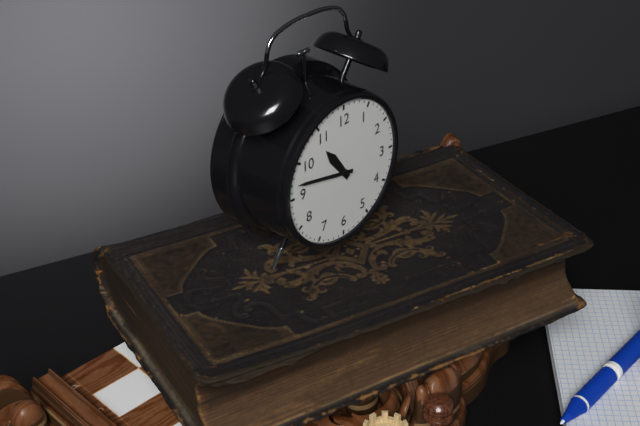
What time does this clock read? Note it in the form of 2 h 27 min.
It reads 10 h 47 min
